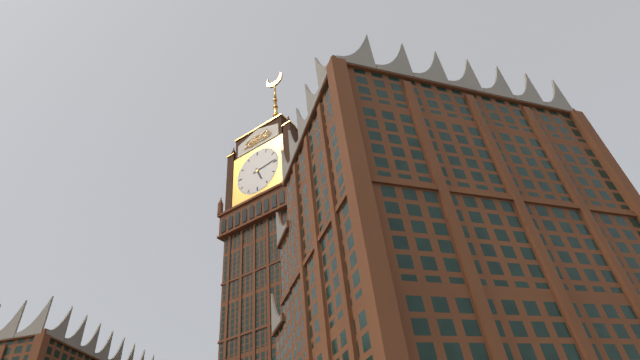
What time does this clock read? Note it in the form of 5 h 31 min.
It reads 5 h 14 min
